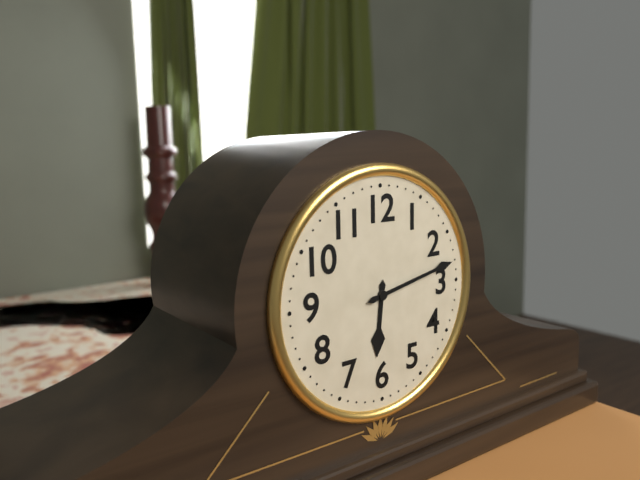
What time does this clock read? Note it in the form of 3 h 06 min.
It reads 6 h 13 min
